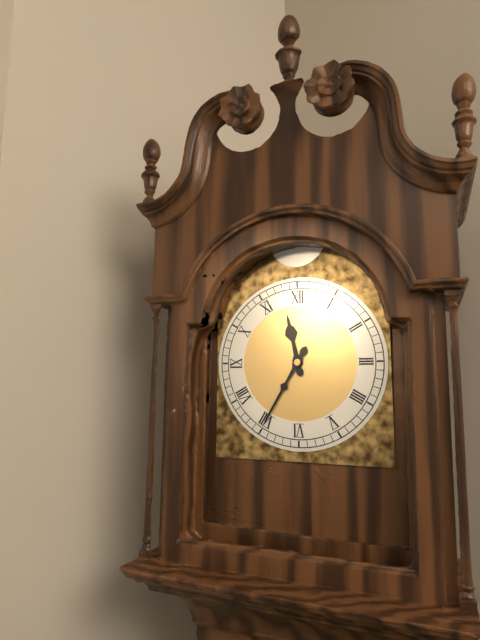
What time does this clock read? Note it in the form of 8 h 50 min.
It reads 11 h 35 min
